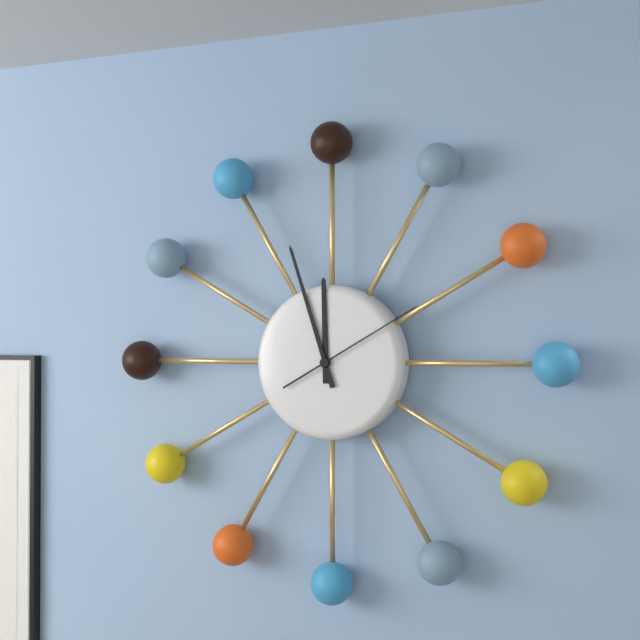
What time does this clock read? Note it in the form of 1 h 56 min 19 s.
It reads 11 h 57 min 10 s
